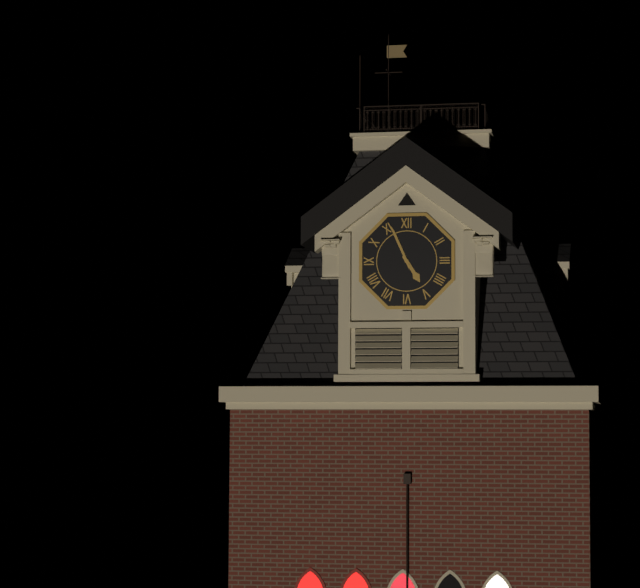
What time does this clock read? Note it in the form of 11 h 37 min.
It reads 4 h 56 min
